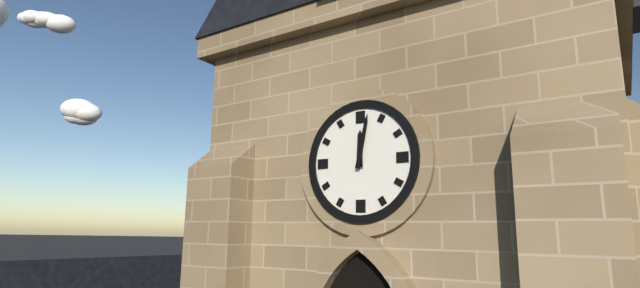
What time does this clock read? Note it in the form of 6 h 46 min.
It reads 12 h 02 min
